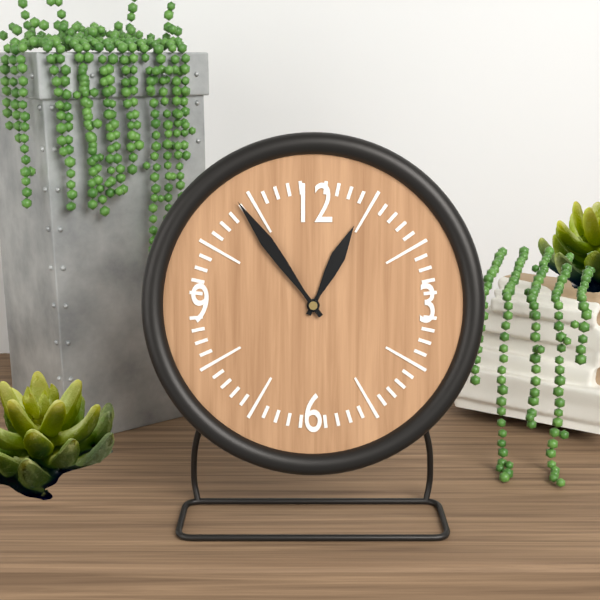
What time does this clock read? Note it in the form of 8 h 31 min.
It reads 12 h 54 min
